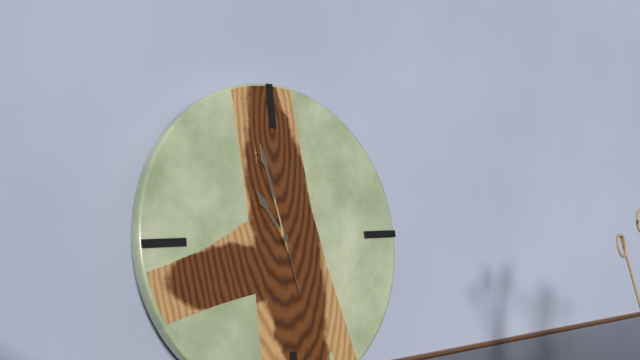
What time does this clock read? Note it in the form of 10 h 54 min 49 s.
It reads 10 h 58 min 28 s
